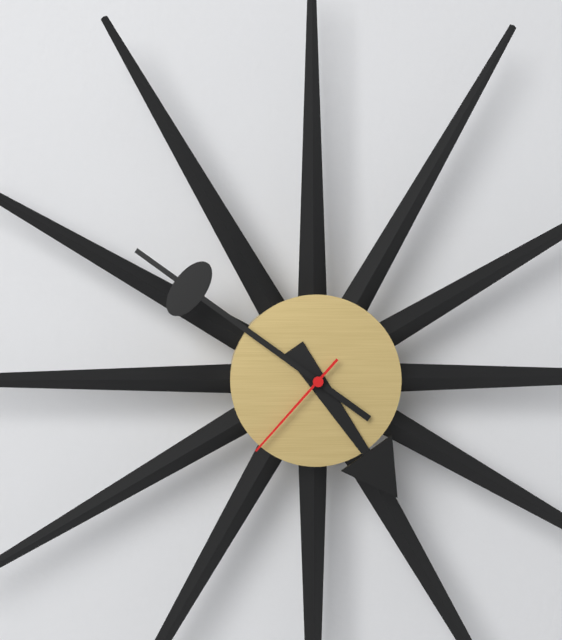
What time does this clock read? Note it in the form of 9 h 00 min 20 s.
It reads 4 h 51 min 37 s
